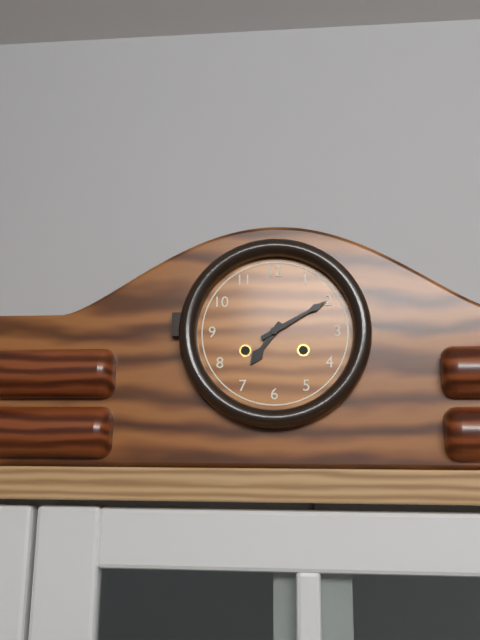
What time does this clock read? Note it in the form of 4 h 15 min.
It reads 7 h 10 min
